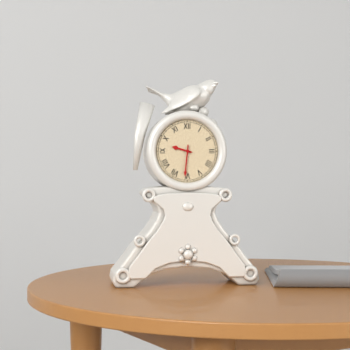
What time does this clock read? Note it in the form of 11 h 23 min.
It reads 9 h 31 min
